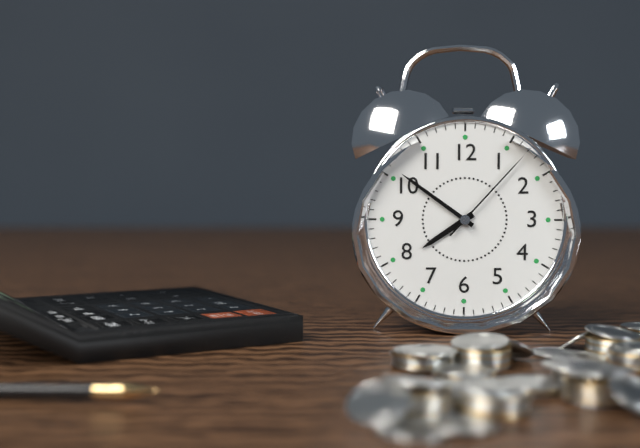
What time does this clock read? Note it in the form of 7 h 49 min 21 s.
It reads 7 h 51 min 07 s
